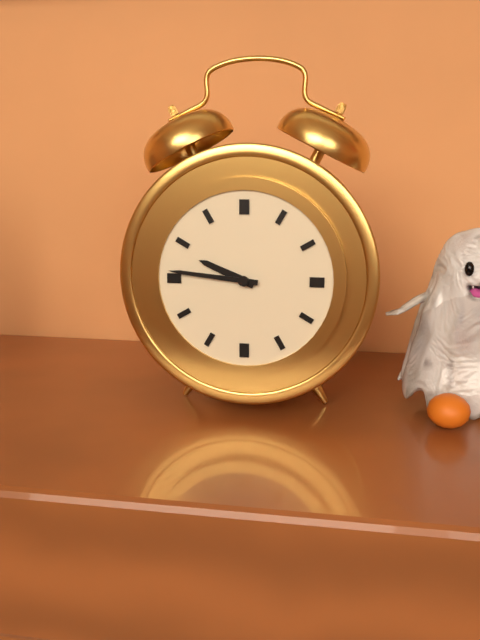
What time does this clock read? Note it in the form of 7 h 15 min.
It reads 9 h 46 min
